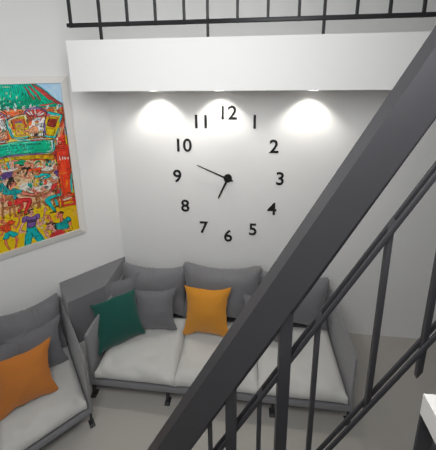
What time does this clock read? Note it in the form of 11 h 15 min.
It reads 6 h 49 min
